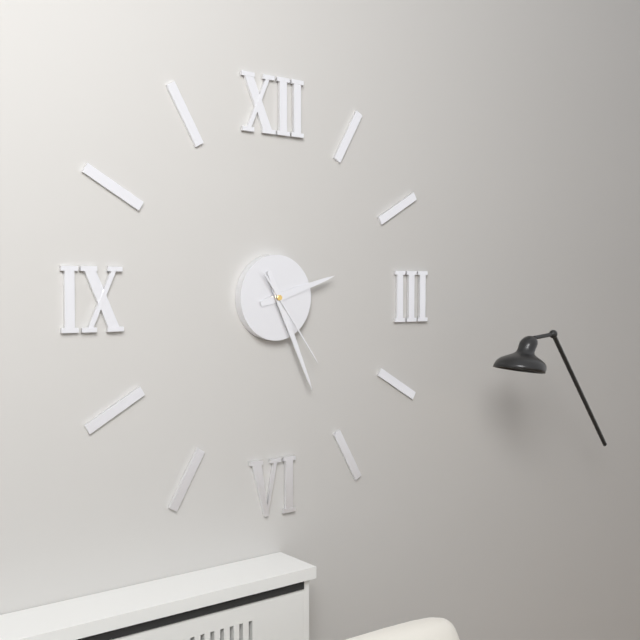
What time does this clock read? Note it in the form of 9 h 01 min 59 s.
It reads 2 h 26 min 24 s
